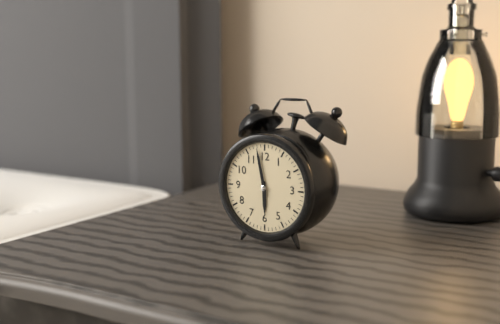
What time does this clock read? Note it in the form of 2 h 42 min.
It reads 5 h 58 min
